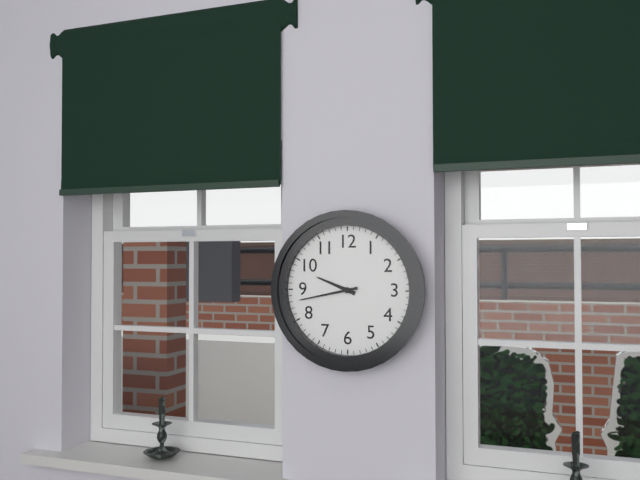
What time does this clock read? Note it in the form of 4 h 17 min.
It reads 9 h 43 min
